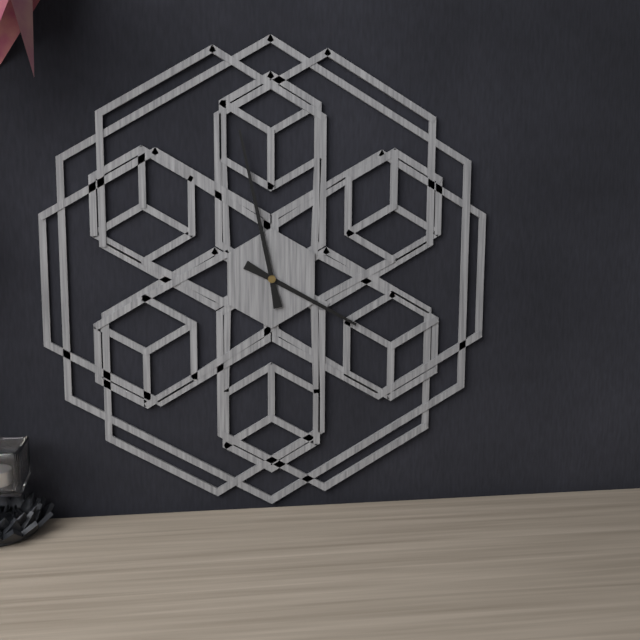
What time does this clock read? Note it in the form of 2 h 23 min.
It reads 3 h 58 min
